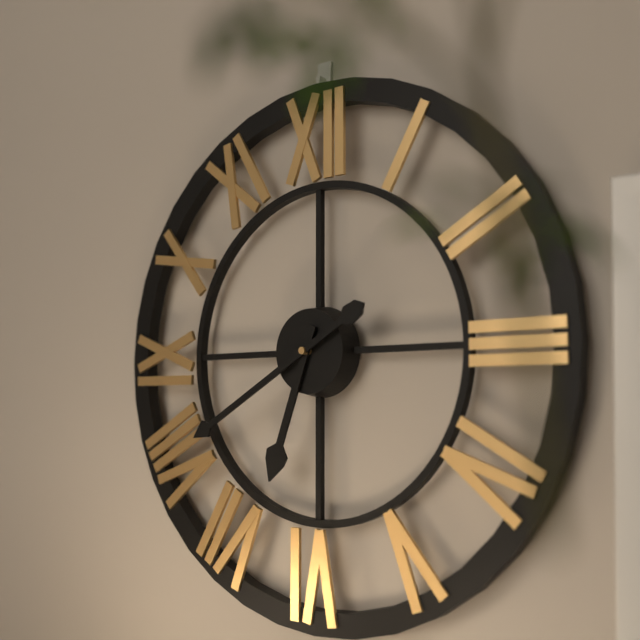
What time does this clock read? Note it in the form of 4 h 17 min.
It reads 6 h 40 min
